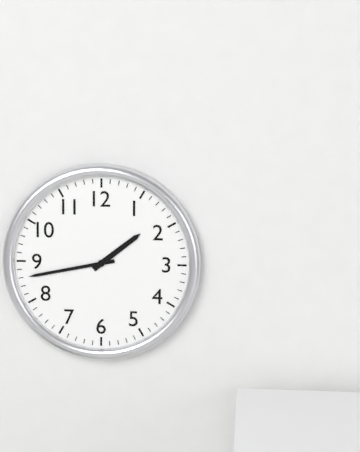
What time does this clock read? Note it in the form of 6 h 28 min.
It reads 1 h 43 min
